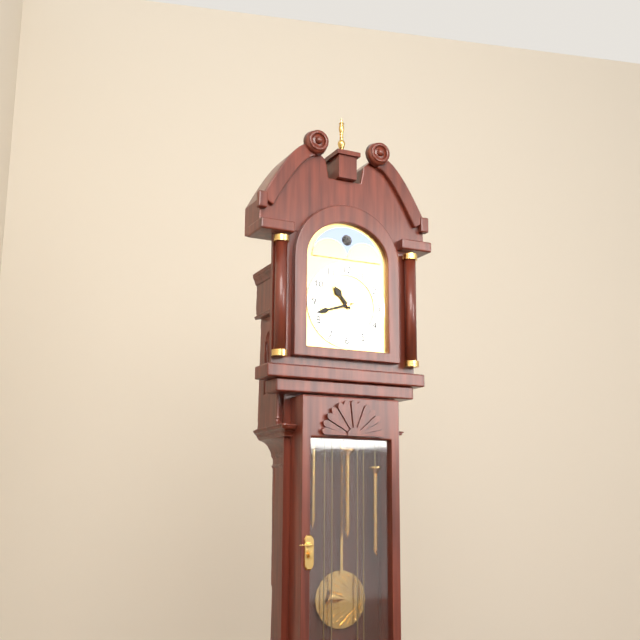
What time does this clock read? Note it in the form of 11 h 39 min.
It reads 10 h 42 min
